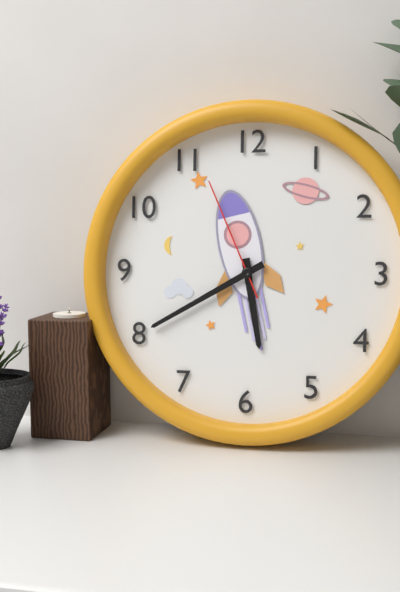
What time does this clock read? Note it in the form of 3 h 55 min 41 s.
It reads 5 h 40 min 56 s
